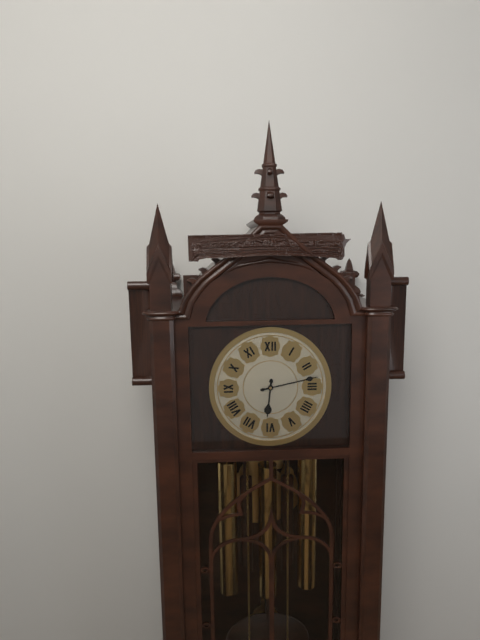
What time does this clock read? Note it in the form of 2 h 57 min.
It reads 6 h 13 min
